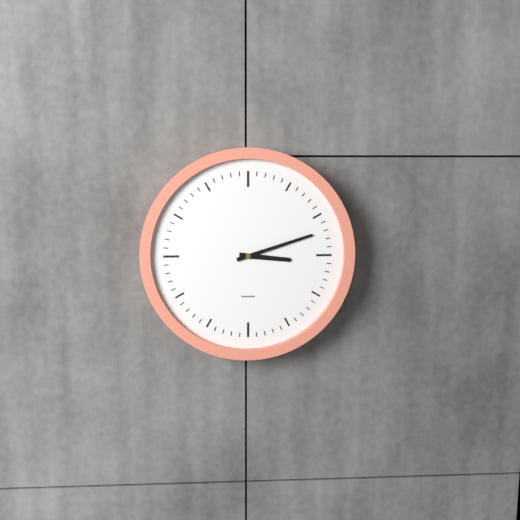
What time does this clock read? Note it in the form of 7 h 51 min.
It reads 3 h 12 min
